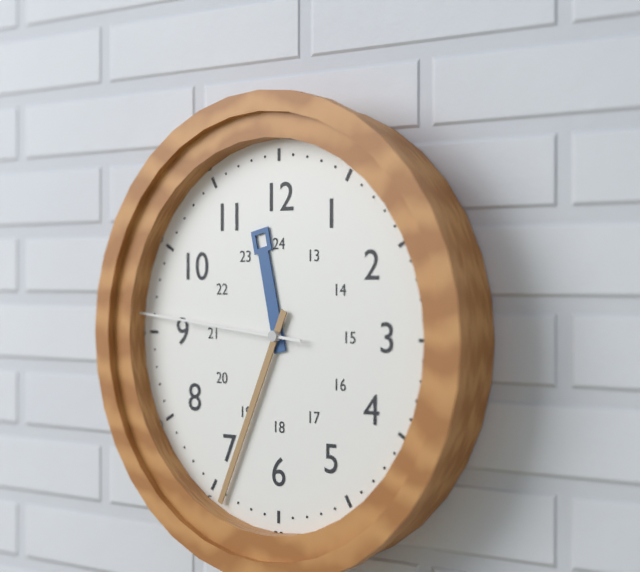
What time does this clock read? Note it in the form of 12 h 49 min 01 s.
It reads 11 h 34 min 46 s
